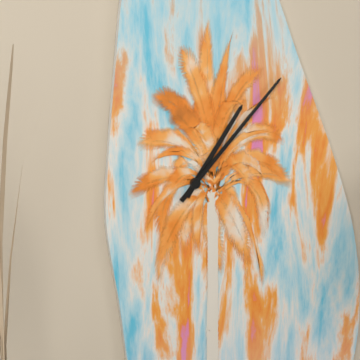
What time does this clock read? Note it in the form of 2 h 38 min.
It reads 1 h 07 min
